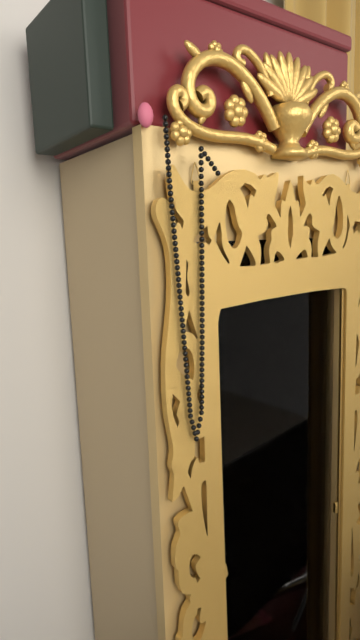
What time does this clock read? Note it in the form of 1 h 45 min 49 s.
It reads 6 h 31 min 03 s
